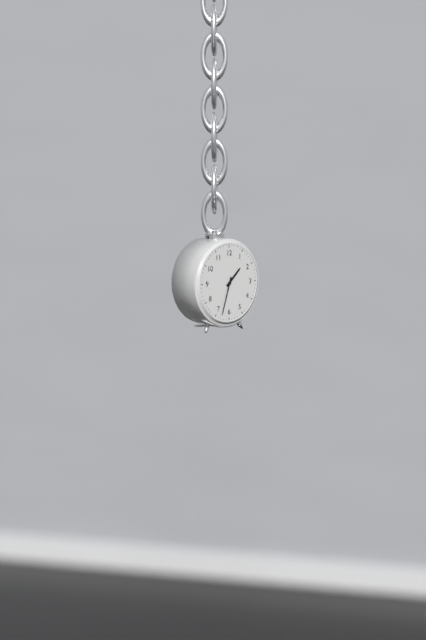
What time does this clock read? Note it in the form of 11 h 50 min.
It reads 1 h 33 min
